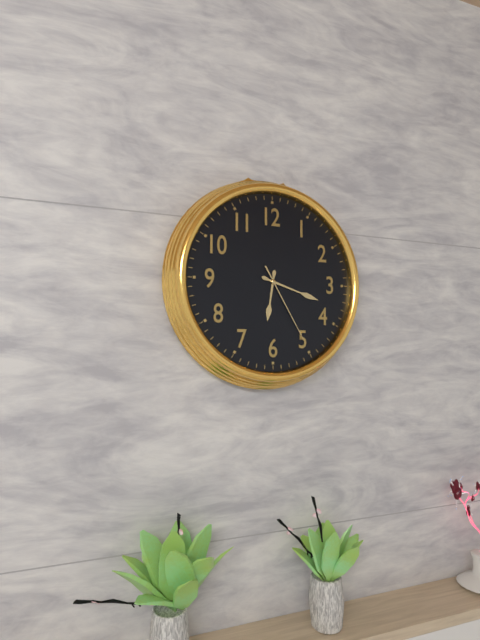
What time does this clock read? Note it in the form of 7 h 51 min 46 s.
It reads 6 h 18 min 25 s
